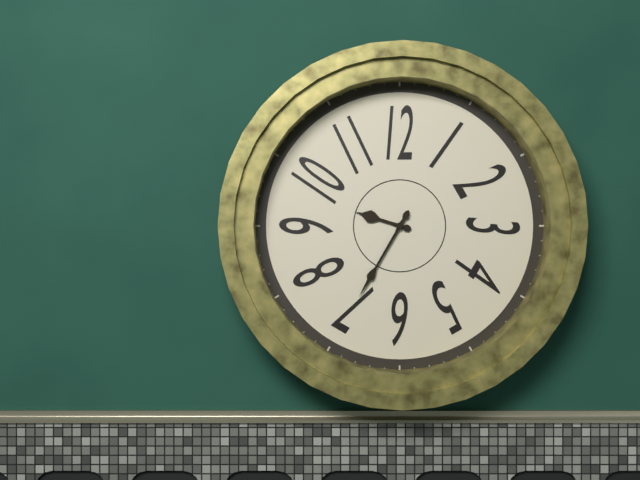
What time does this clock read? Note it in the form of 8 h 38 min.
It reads 9 h 35 min
